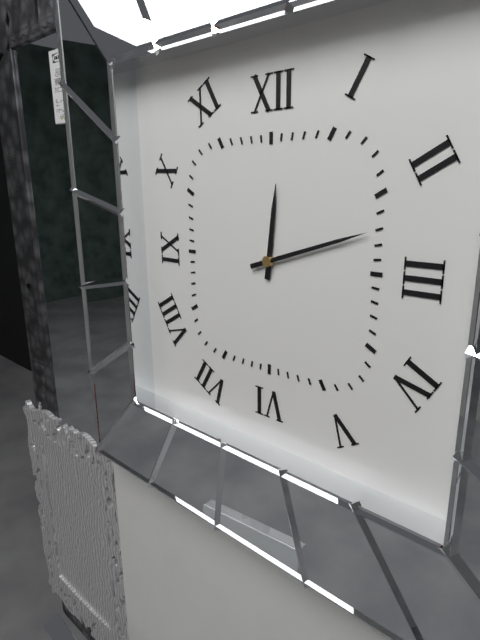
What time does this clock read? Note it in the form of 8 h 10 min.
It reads 12 h 12 min
